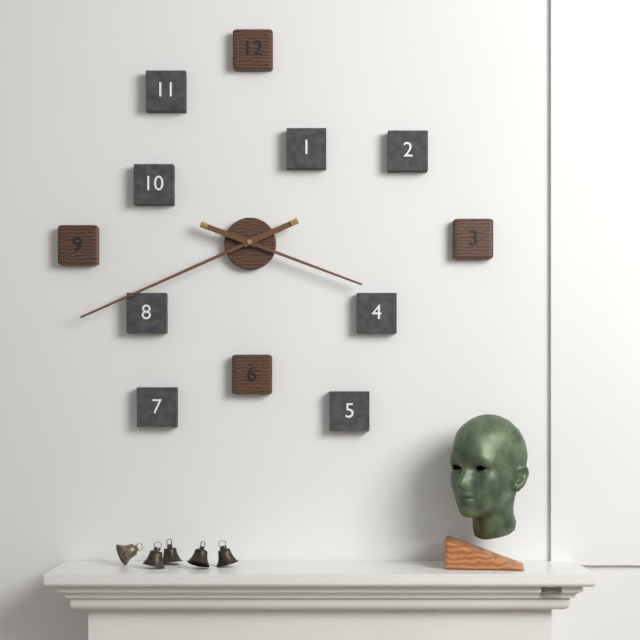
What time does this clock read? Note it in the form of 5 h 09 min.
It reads 3 h 41 min
